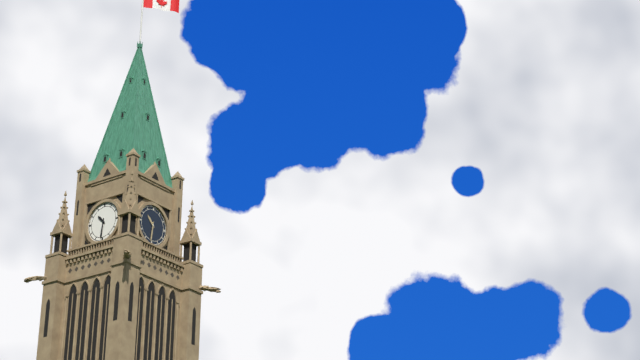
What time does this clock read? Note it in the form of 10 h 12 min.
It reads 10 h 31 min
